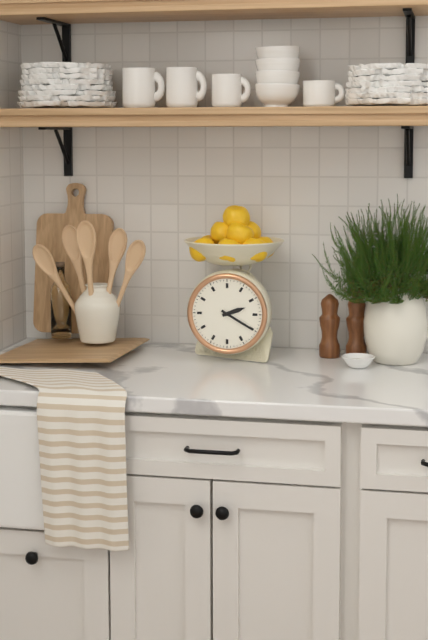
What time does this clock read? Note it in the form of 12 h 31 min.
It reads 2 h 20 min
